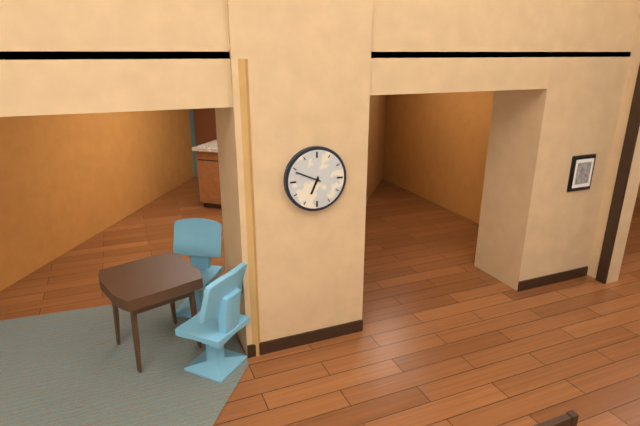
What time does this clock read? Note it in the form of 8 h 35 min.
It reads 6 h 49 min
